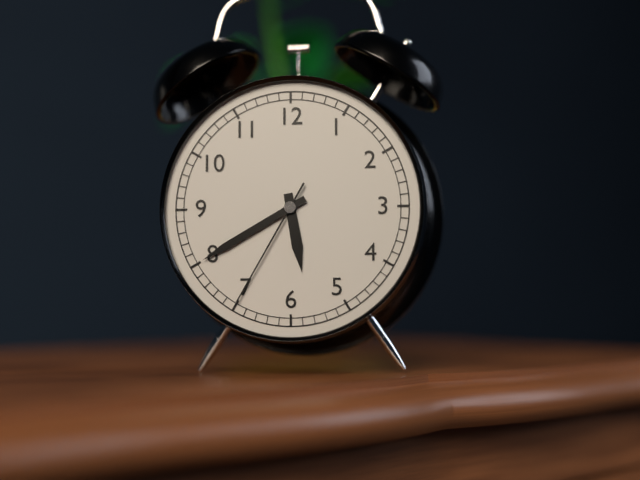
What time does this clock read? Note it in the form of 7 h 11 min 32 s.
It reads 5 h 40 min 35 s
